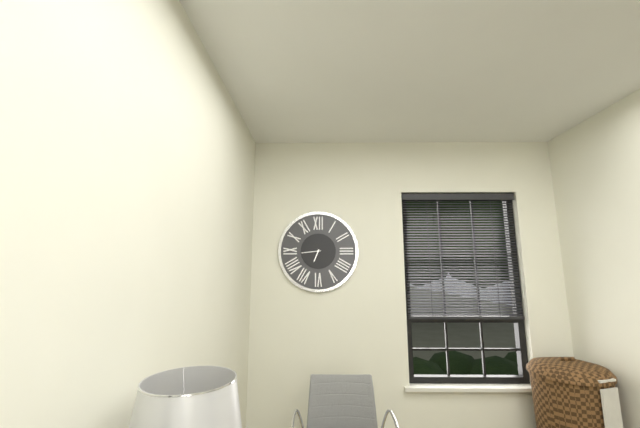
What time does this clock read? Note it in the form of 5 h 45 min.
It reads 6 h 44 min
